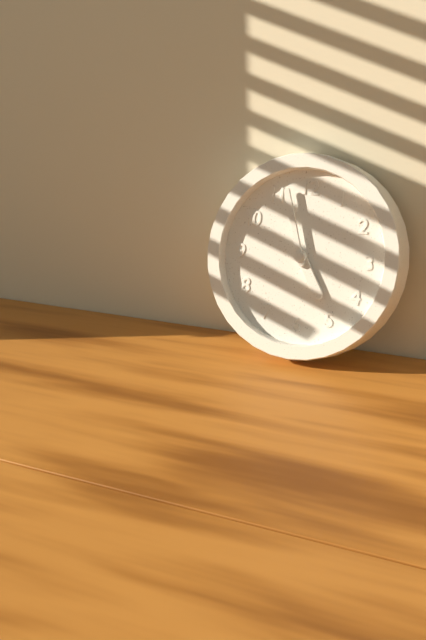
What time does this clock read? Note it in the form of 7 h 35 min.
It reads 4 h 57 min
